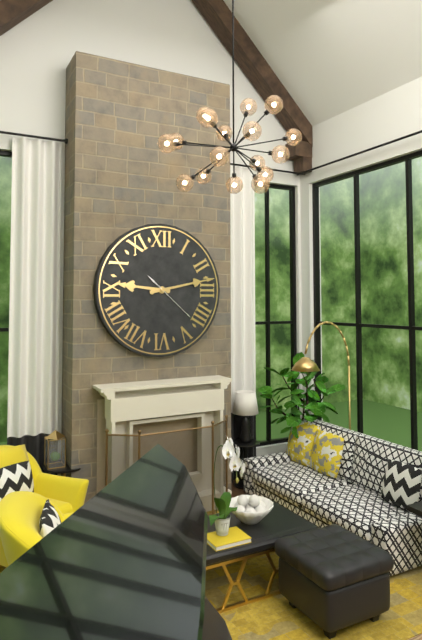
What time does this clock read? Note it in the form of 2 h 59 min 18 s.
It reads 9 h 13 min 22 s
